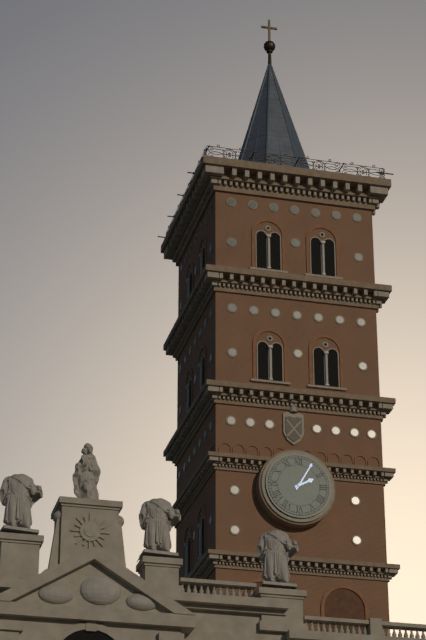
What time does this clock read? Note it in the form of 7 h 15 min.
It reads 2 h 05 min
